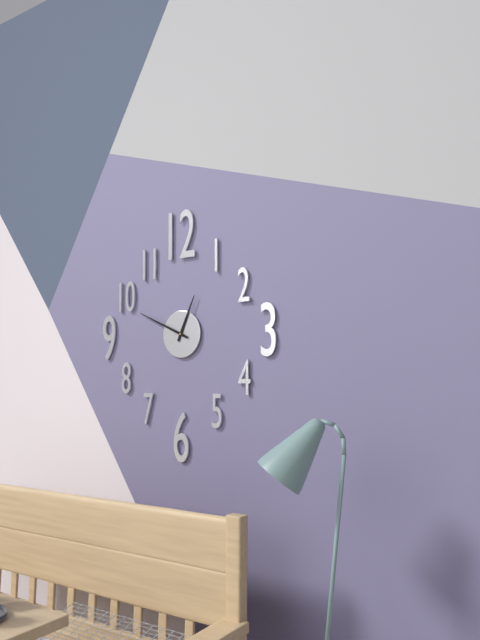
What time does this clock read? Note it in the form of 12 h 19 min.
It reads 12 h 49 min
